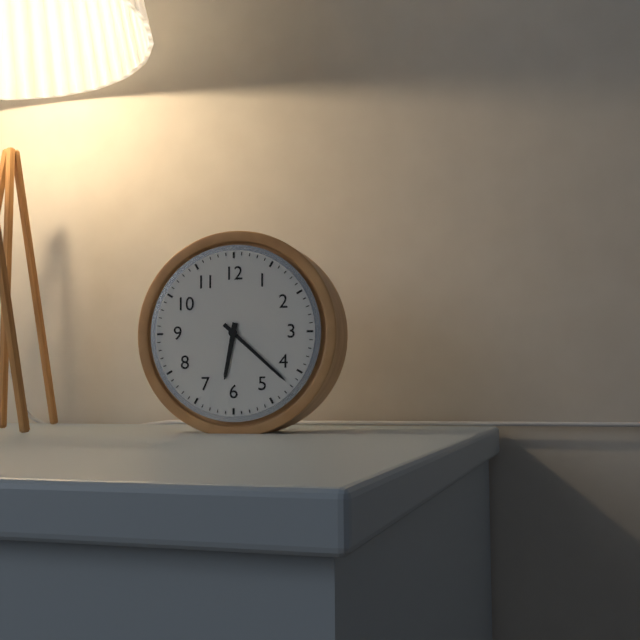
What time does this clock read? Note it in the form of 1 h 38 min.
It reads 6 h 22 min
